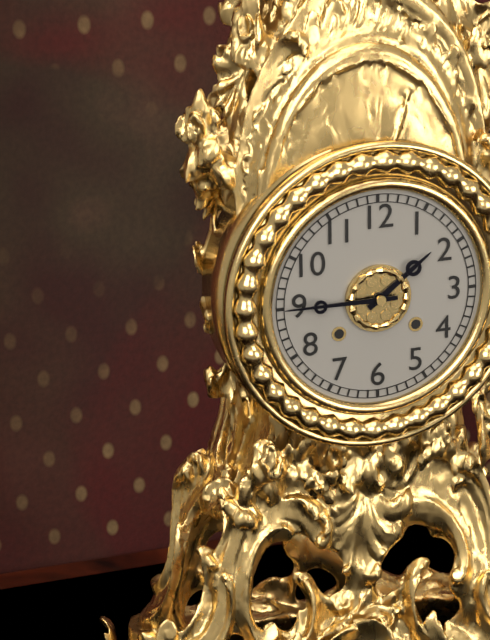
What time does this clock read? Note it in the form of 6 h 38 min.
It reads 1 h 45 min
